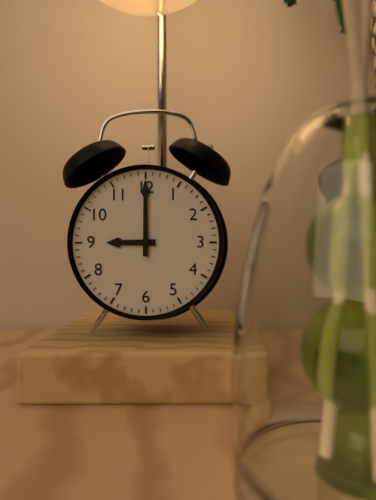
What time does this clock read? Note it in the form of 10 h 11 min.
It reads 9 h 00 min
